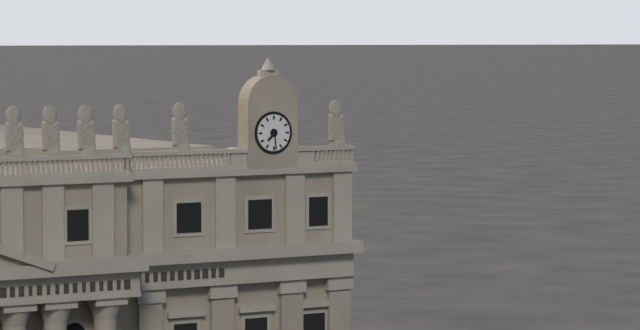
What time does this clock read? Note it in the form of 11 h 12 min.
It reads 7 h 29 min
